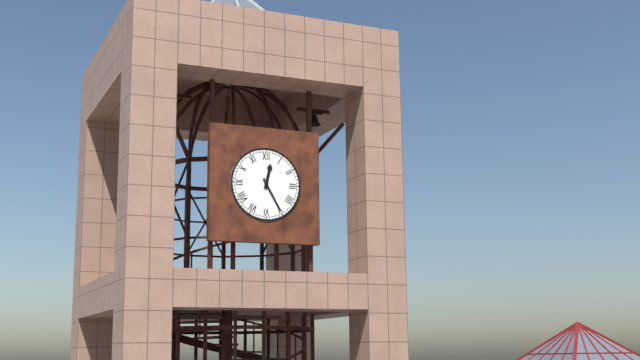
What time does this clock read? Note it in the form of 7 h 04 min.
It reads 12 h 25 min
